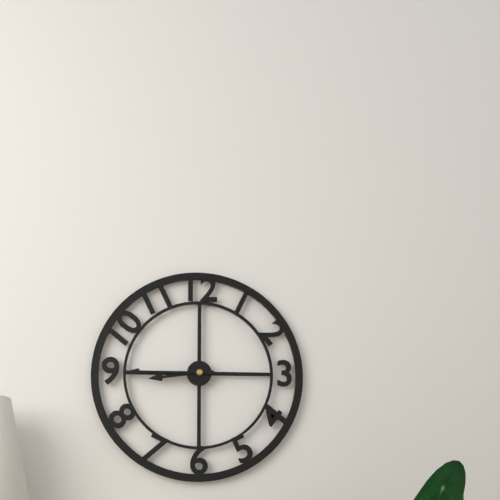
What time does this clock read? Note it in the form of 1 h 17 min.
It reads 8 h 45 min
